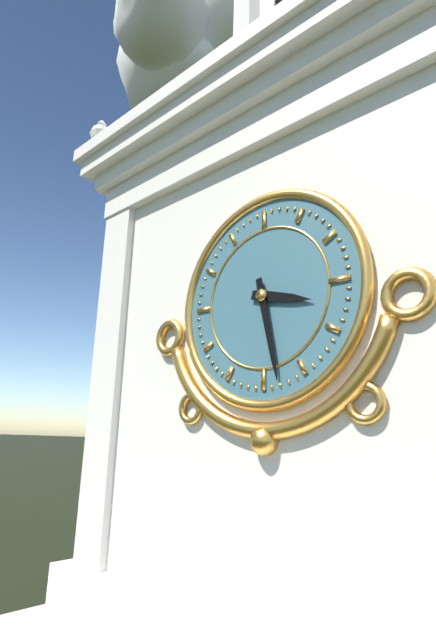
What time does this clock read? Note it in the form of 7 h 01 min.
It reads 3 h 28 min
